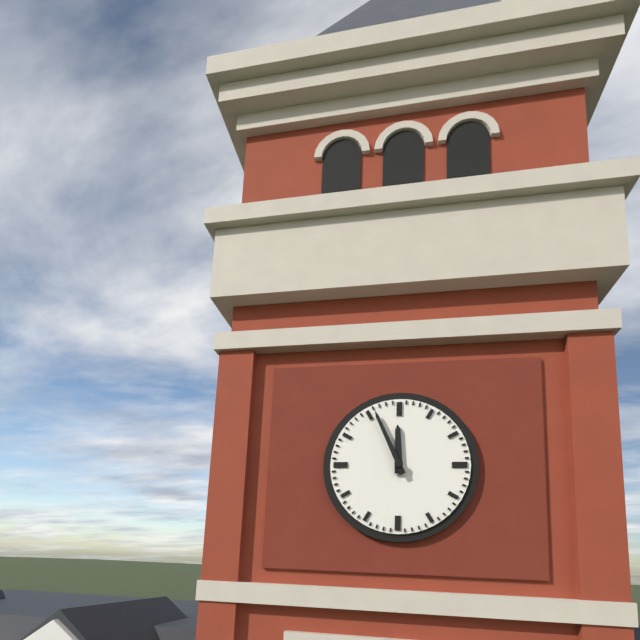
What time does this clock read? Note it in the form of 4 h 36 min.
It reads 11 h 56 min
